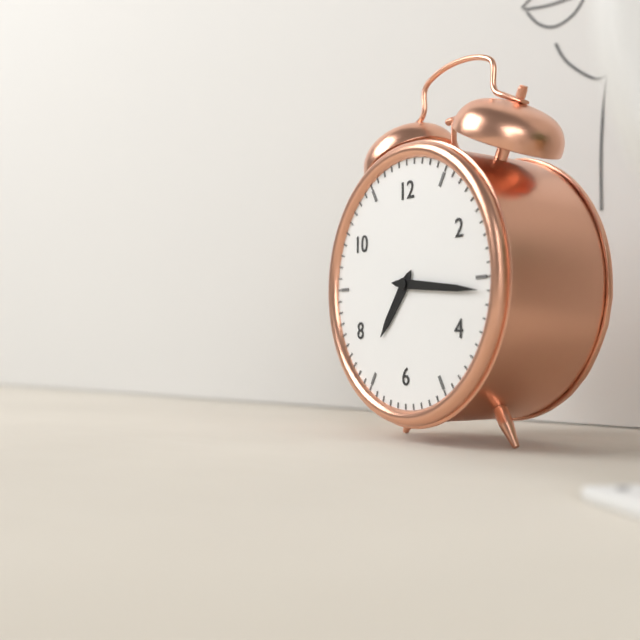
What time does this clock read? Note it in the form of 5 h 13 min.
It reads 7 h 16 min
